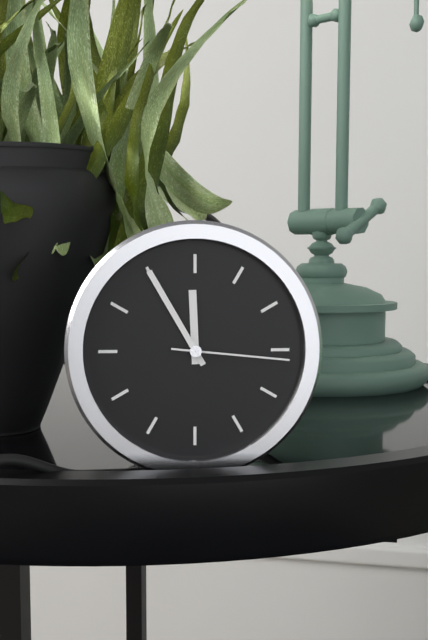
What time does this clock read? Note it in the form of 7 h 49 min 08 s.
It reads 11 h 55 min 16 s
